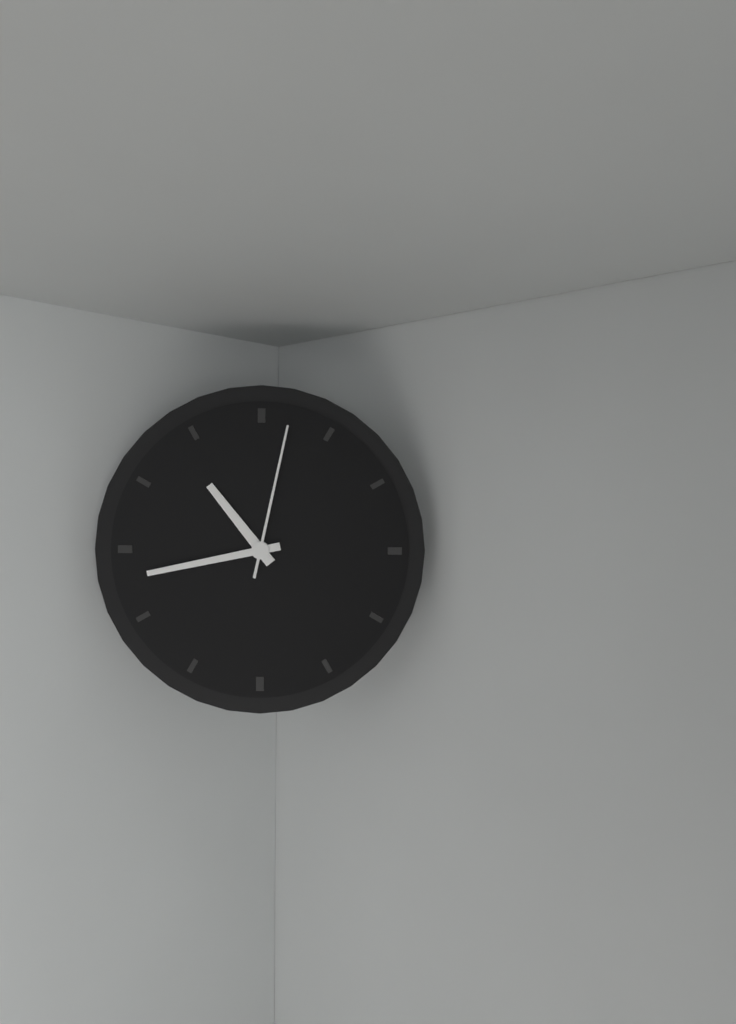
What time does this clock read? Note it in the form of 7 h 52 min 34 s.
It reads 10 h 43 min 02 s
